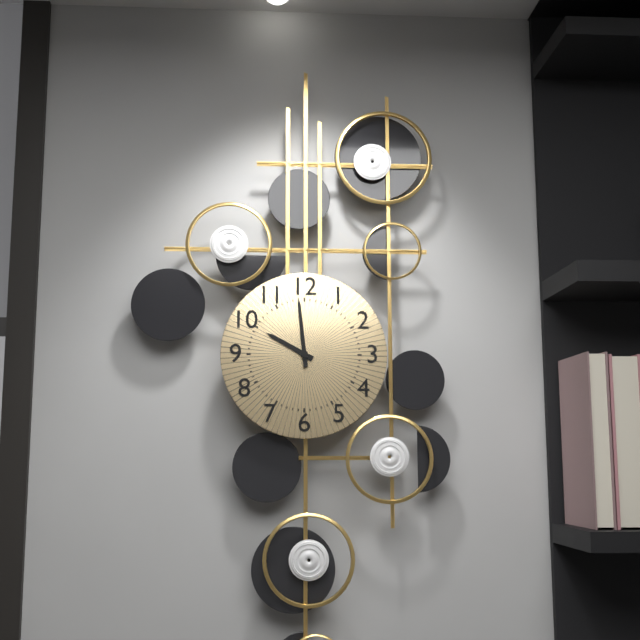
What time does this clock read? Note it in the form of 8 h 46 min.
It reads 9 h 59 min
